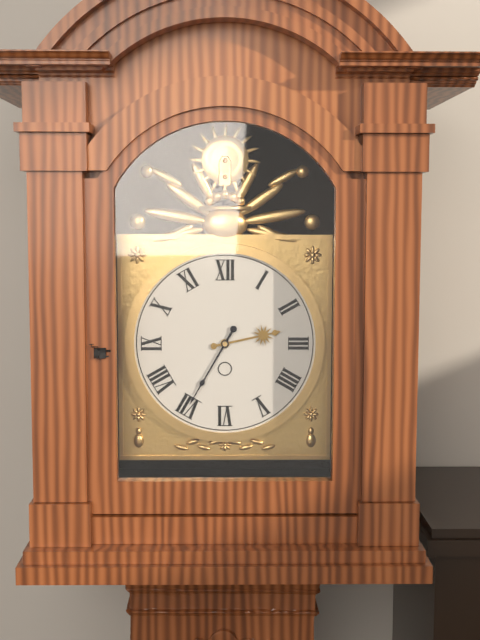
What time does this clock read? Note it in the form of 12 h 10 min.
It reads 2 h 35 min
